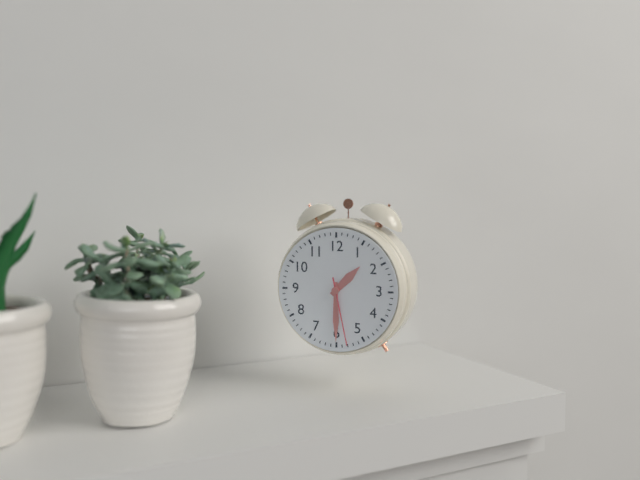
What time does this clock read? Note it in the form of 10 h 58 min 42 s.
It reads 1 h 30 min 28 s
